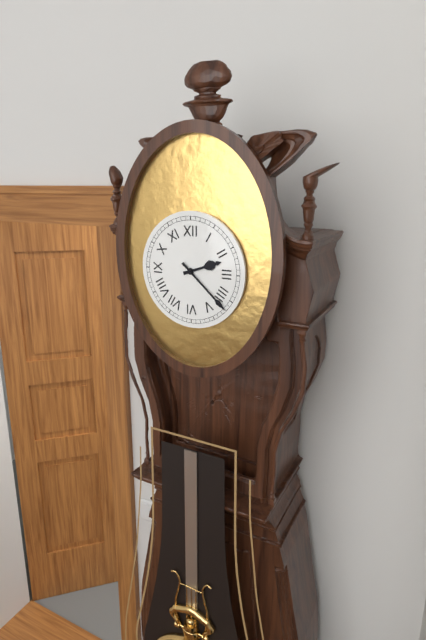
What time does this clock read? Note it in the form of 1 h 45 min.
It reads 2 h 22 min
